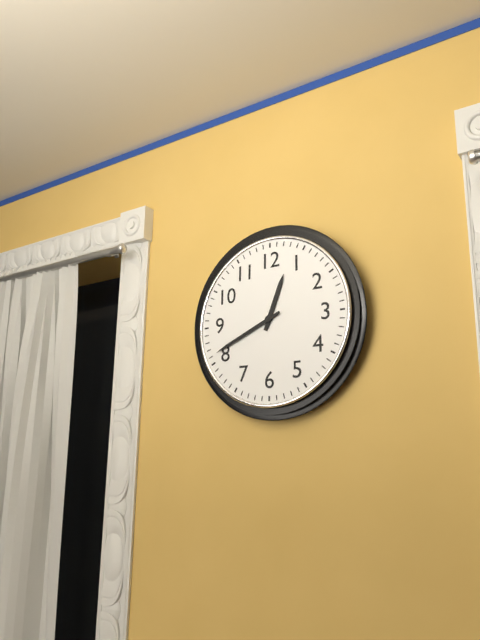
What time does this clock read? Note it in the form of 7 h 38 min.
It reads 12 h 41 min
